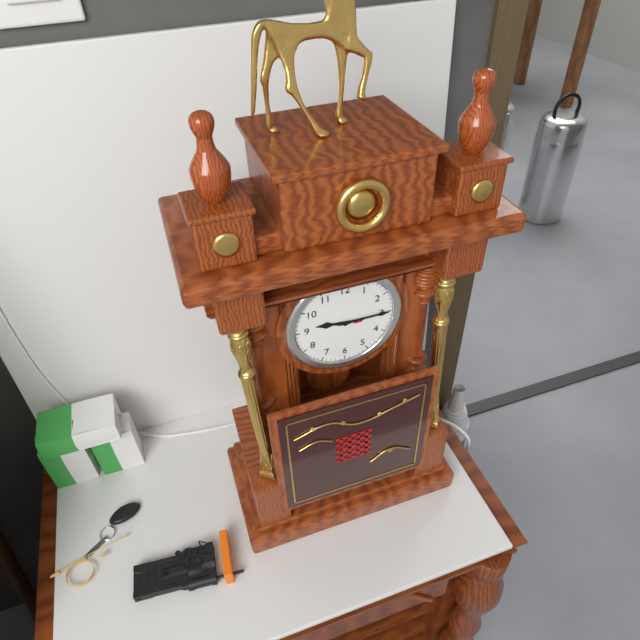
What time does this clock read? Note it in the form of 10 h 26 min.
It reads 9 h 15 min
